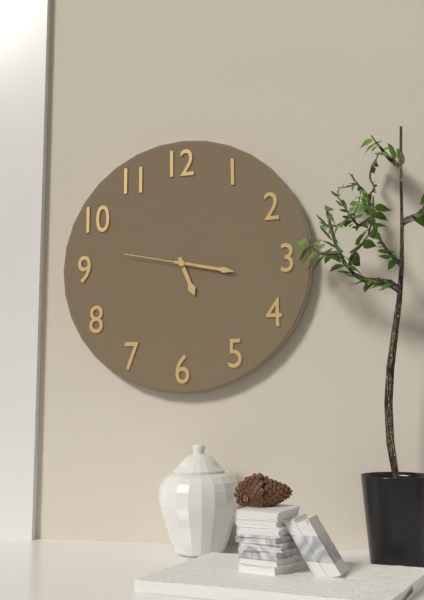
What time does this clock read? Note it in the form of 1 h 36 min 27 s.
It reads 5 h 17 min 47 s
